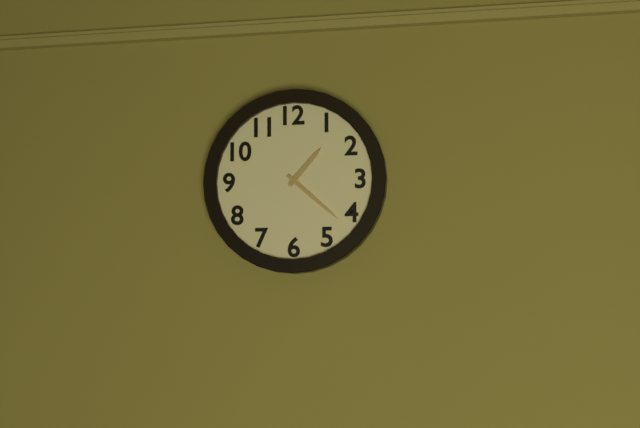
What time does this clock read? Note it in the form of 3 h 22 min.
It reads 1 h 22 min
